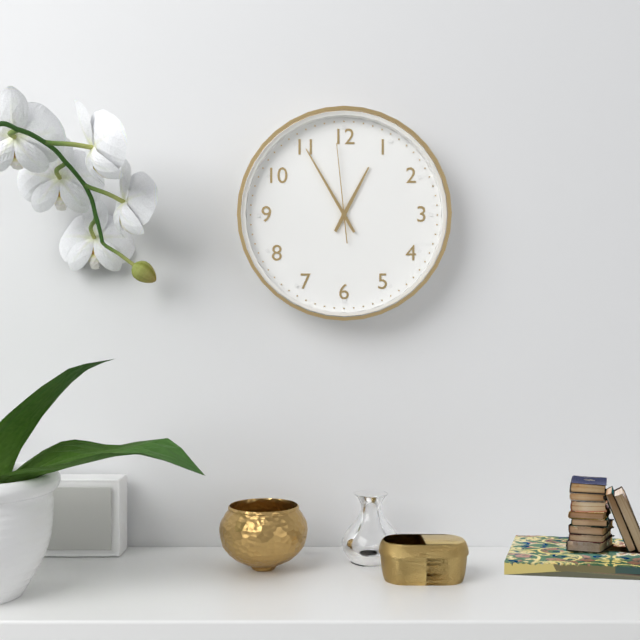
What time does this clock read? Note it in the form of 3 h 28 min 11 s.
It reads 12 h 55 min 59 s
